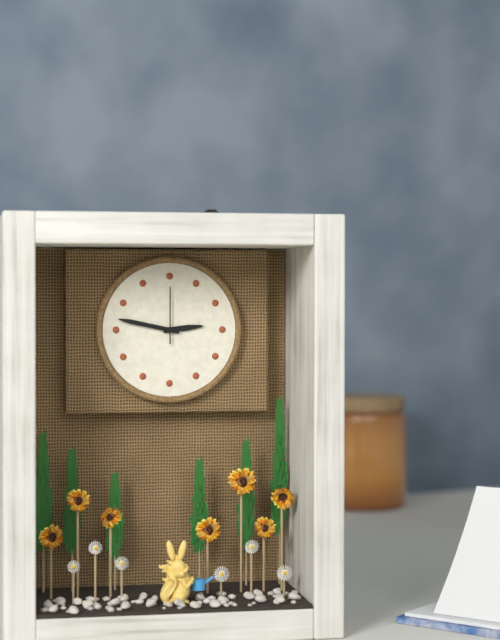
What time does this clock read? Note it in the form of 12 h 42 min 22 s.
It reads 2 h 47 min 00 s
